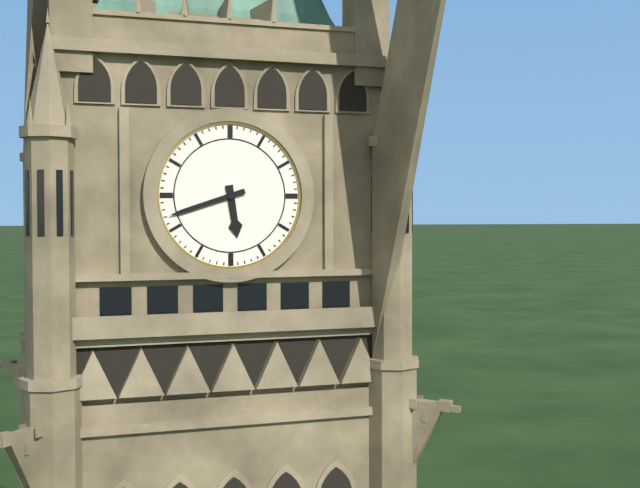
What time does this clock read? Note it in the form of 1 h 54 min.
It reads 5 h 42 min
